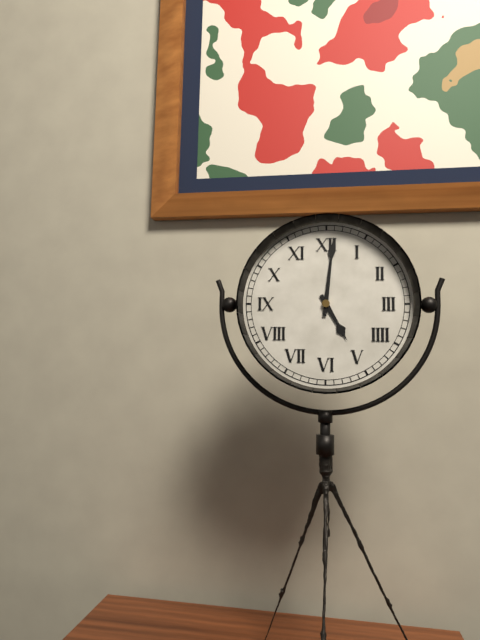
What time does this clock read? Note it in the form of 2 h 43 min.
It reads 5 h 01 min
